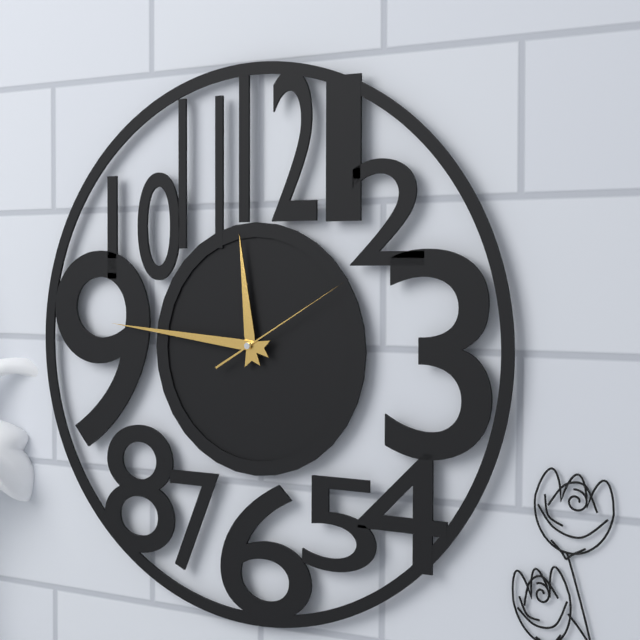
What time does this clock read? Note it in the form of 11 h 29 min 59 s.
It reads 11 h 46 min 10 s
